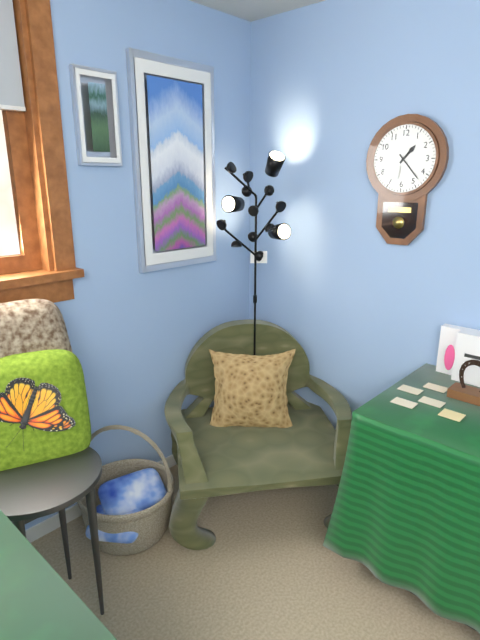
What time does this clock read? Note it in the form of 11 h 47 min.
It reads 1 h 23 min
